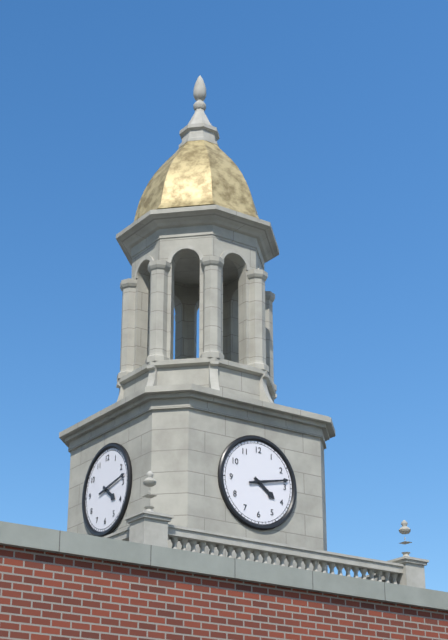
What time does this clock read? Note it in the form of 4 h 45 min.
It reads 4 h 13 min
